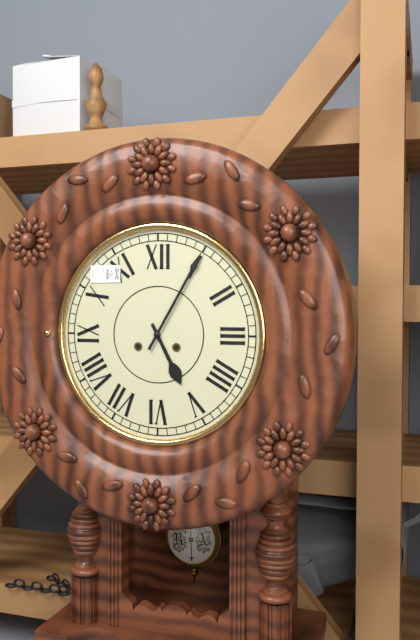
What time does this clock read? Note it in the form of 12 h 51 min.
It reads 5 h 05 min
